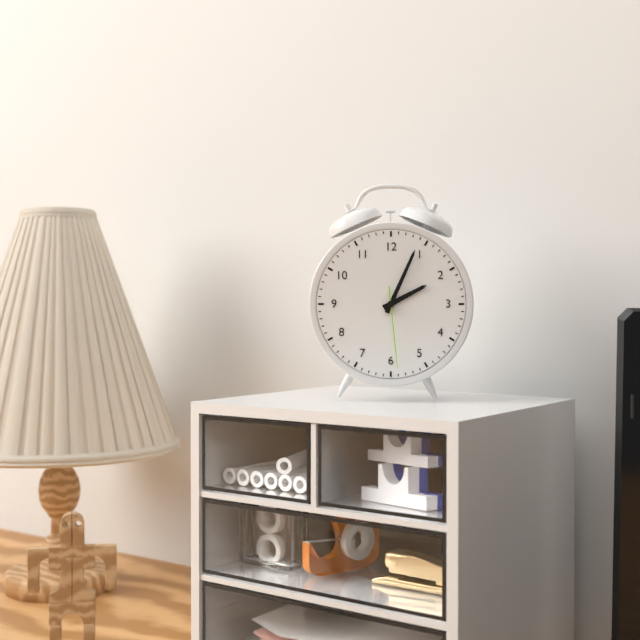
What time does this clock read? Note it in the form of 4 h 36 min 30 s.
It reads 2 h 04 min 29 s
